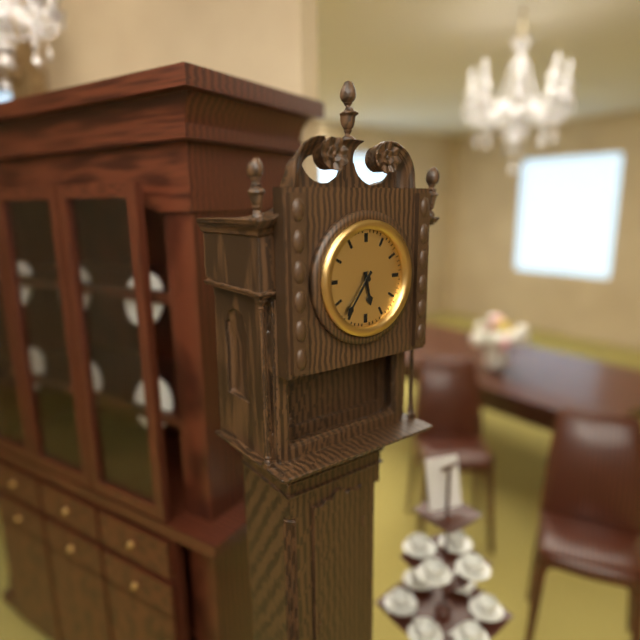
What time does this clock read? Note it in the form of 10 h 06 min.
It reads 5 h 36 min
